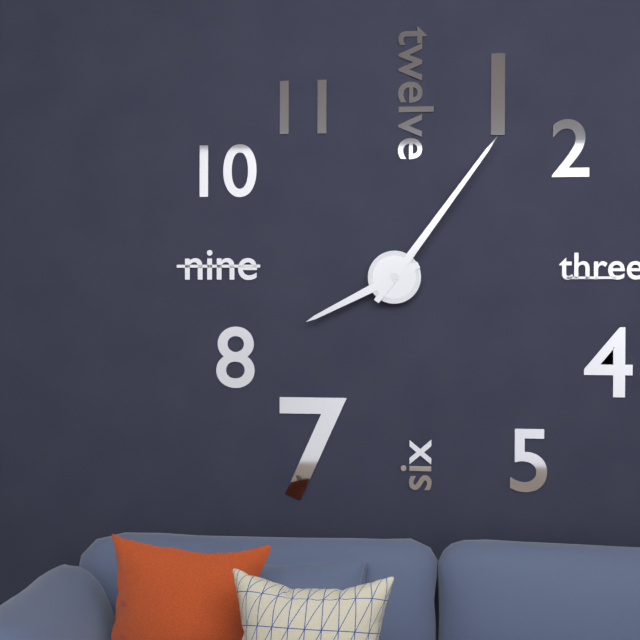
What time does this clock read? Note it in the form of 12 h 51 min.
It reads 8 h 06 min
